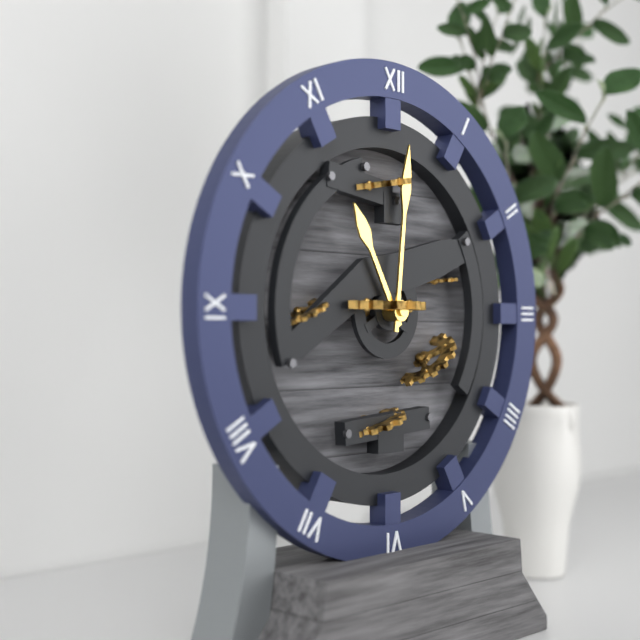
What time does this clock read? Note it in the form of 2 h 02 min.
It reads 11 h 01 min
